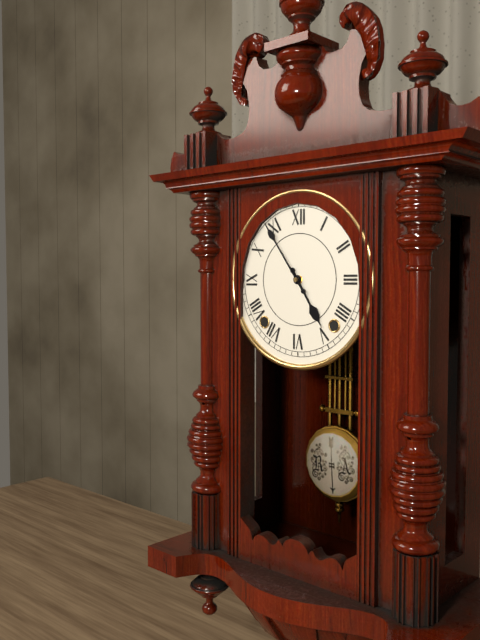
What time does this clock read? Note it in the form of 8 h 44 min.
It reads 4 h 54 min
